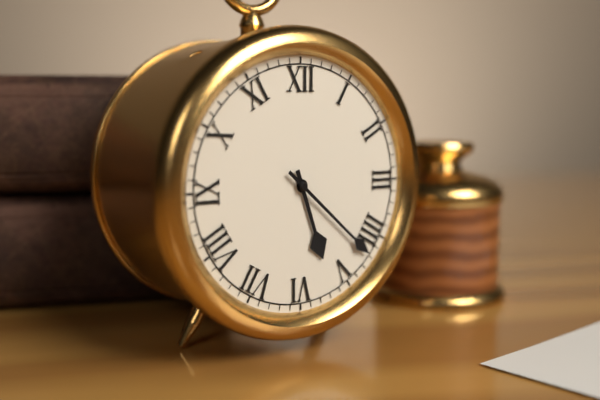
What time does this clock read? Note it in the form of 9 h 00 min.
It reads 5 h 22 min
